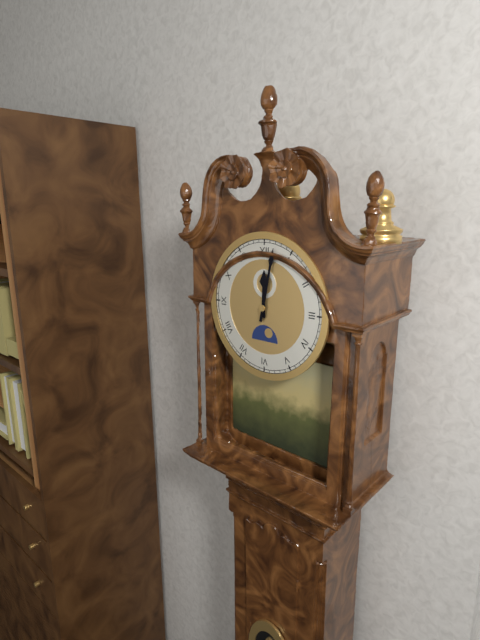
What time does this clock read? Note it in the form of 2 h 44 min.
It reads 12 h 02 min
